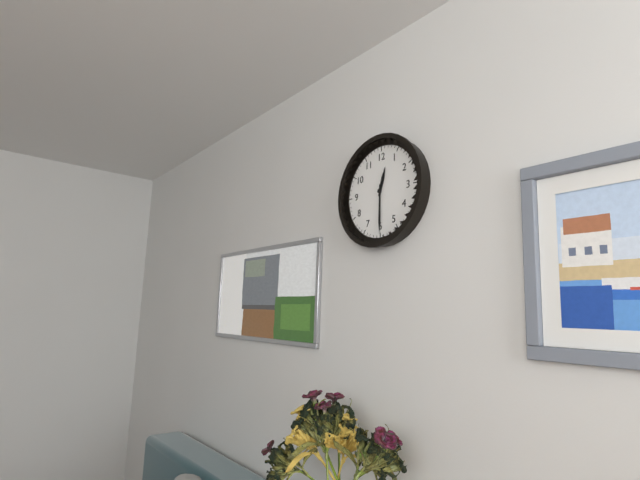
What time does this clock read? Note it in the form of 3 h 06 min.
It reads 12 h 30 min
